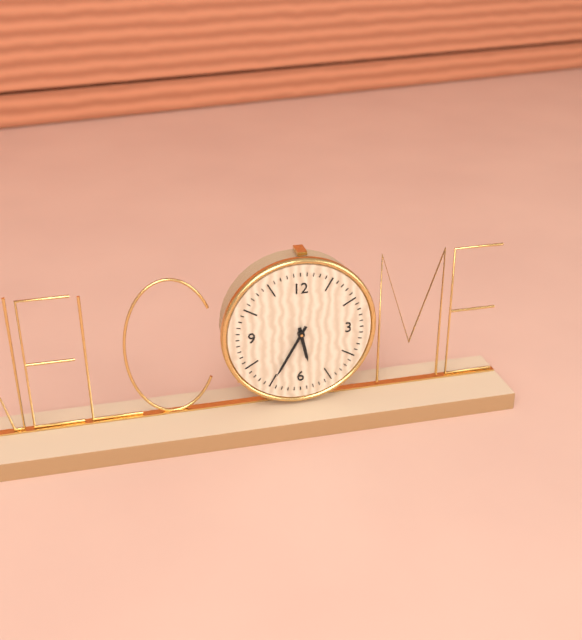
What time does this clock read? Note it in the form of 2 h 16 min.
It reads 5 h 35 min
